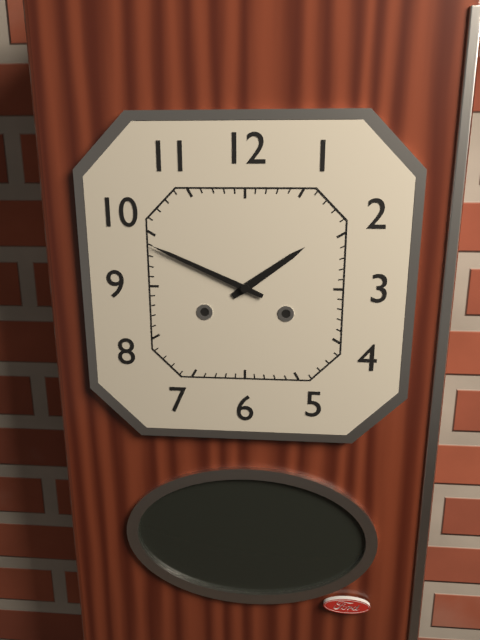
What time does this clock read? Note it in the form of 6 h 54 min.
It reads 1 h 49 min
